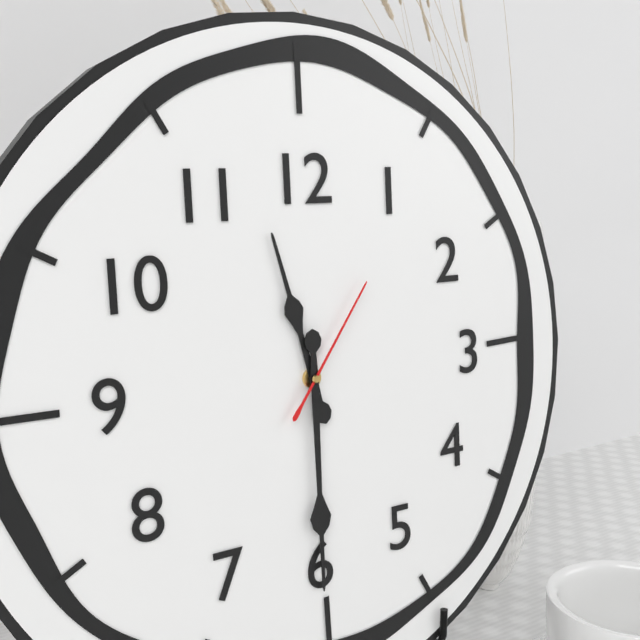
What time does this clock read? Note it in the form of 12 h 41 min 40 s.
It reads 11 h 30 min 06 s
